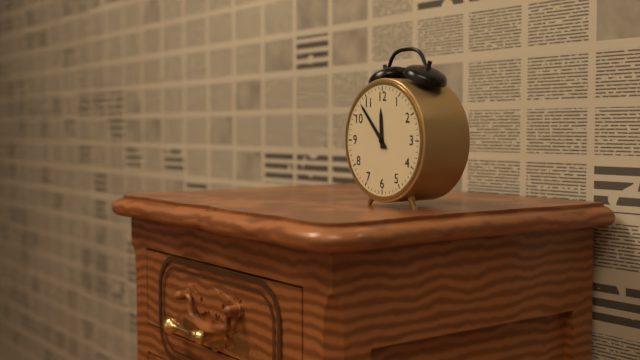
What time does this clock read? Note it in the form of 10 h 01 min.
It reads 11 h 53 min
